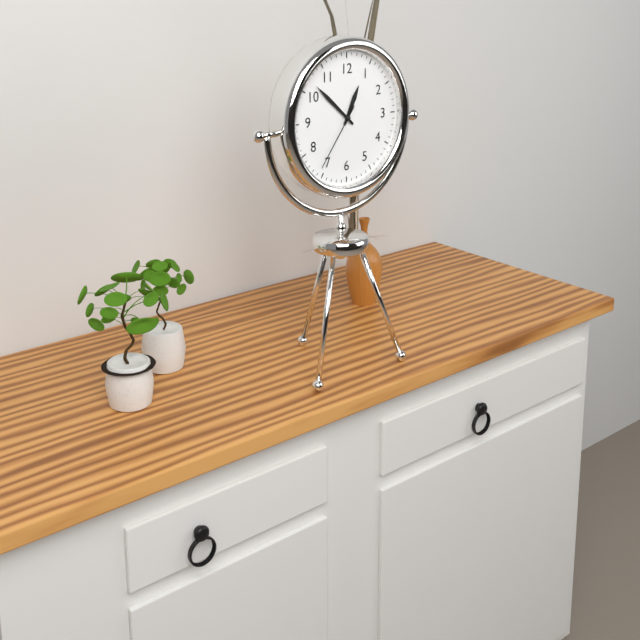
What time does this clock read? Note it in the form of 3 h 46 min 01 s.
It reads 12 h 52 min 36 s
